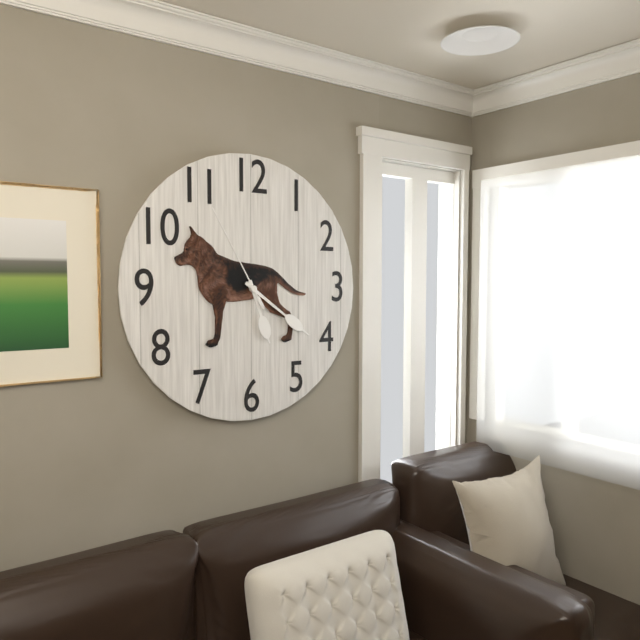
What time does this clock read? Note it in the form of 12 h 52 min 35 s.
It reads 5 h 21 min 55 s
